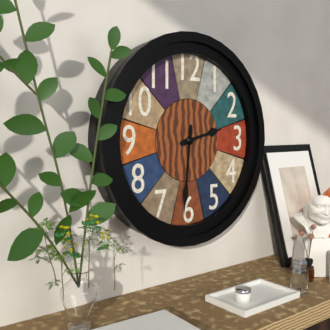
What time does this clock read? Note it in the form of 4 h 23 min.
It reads 2 h 31 min
